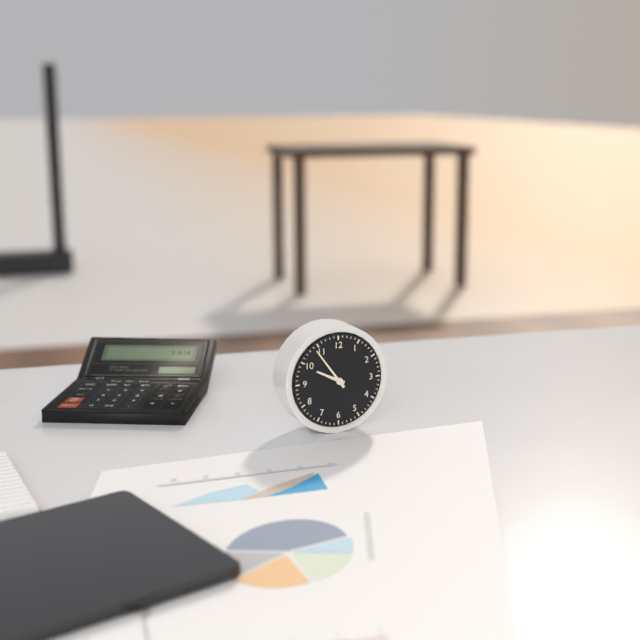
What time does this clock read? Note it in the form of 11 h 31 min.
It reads 9 h 54 min
